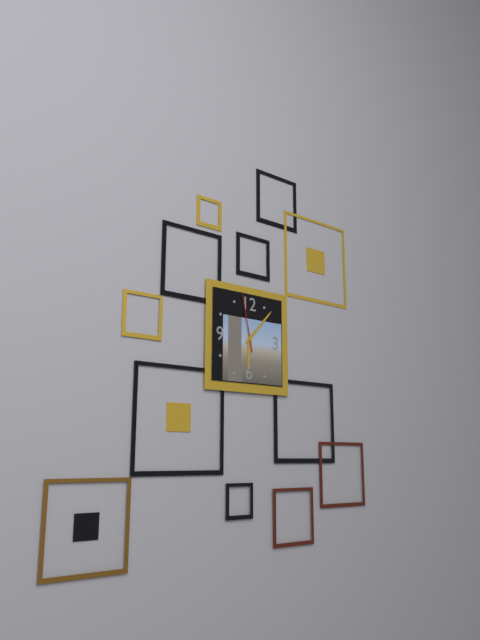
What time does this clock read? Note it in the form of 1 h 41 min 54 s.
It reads 6 h 07 min 58 s
